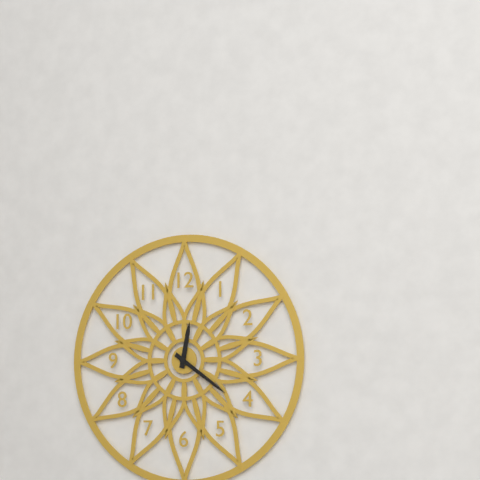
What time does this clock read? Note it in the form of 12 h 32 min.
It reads 12 h 21 min
